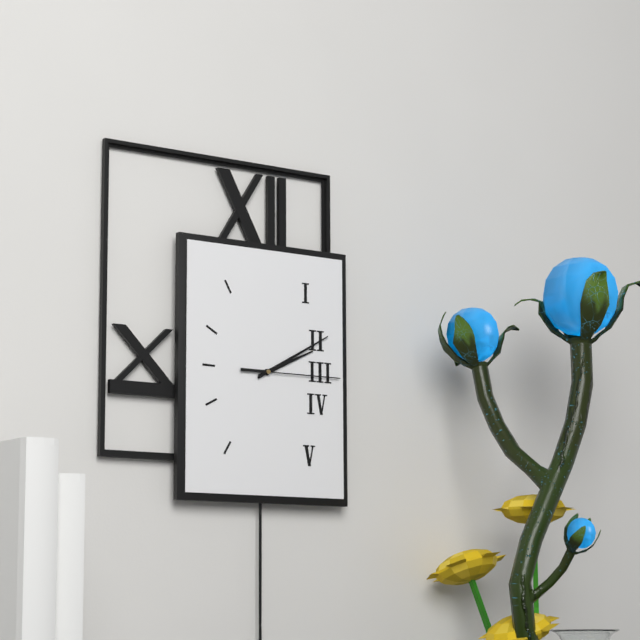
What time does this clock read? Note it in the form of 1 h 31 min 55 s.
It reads 2 h 10 min 15 s
